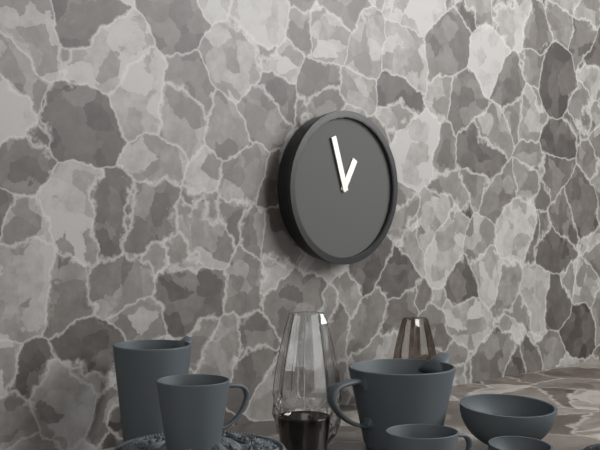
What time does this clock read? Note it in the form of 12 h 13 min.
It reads 12 h 57 min
